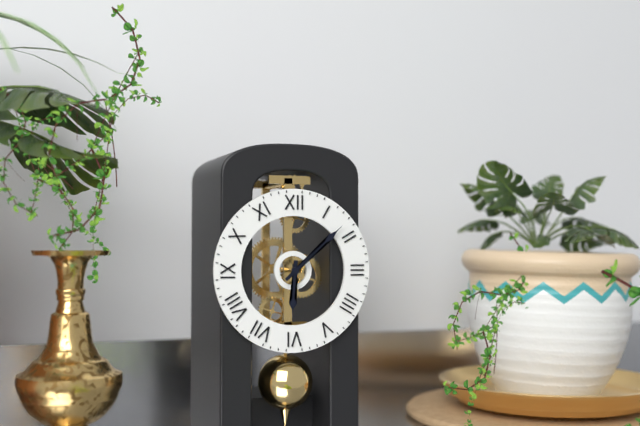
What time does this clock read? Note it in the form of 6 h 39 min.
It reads 6 h 08 min
